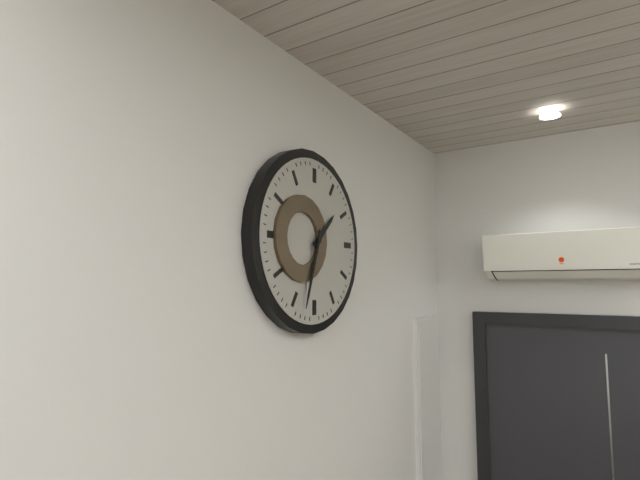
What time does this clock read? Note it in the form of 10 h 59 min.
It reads 1 h 33 min
